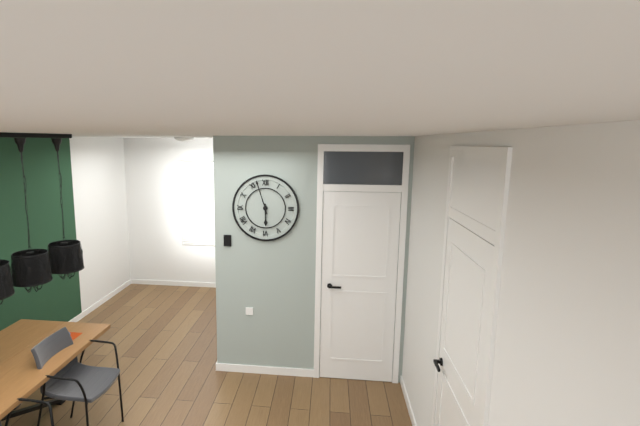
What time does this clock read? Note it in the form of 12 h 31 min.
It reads 5 h 57 min
